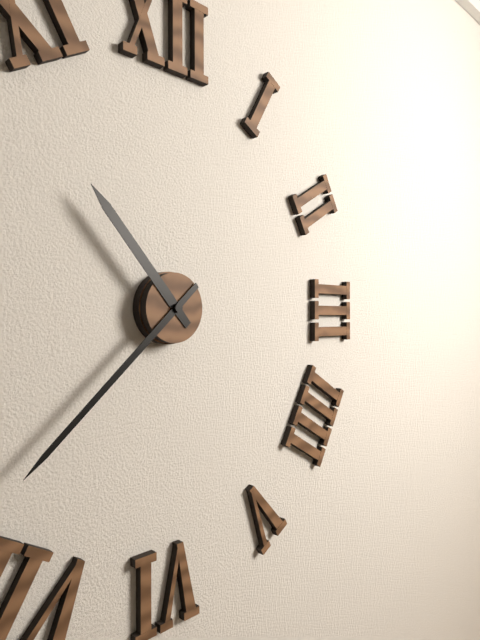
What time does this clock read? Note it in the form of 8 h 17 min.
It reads 10 h 38 min
